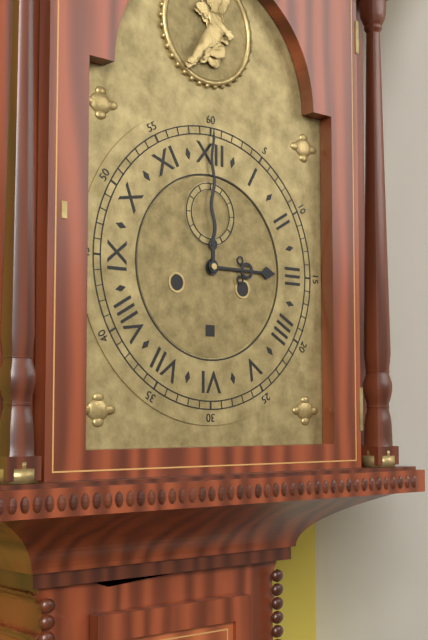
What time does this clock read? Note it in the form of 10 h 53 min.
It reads 3 h 00 min
